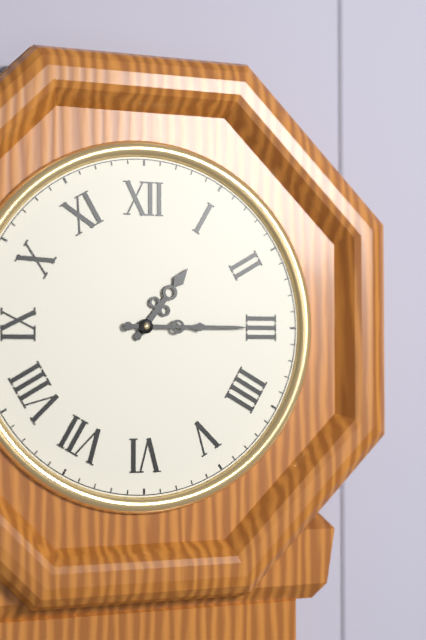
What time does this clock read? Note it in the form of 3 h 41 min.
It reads 1 h 15 min
